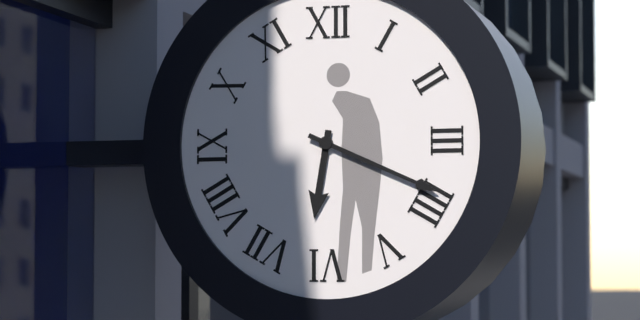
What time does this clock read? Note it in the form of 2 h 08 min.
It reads 6 h 19 min
